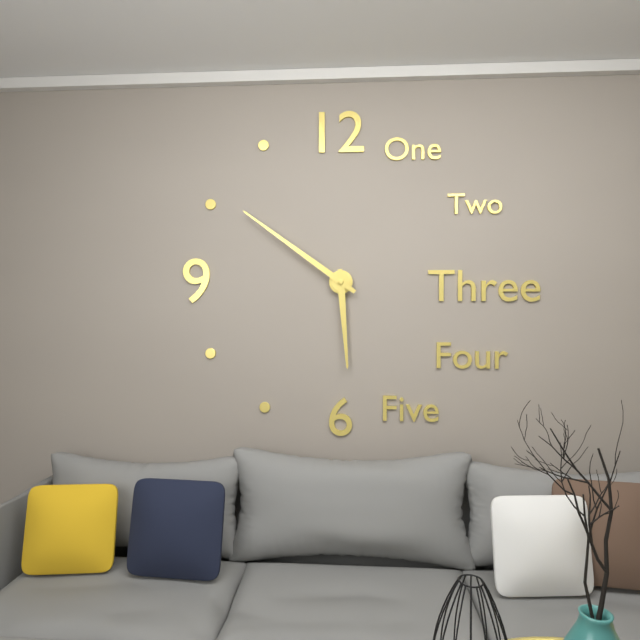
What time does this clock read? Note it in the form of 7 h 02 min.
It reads 5 h 51 min
